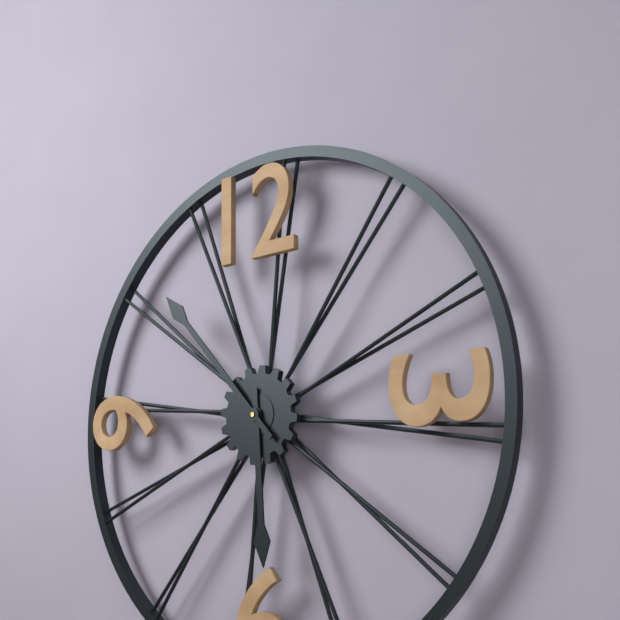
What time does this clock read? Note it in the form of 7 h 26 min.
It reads 5 h 53 min
